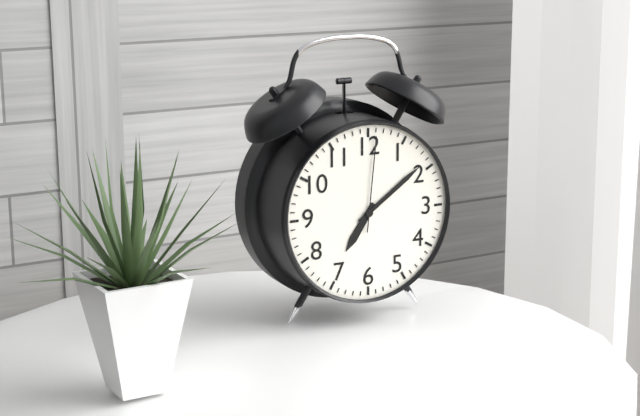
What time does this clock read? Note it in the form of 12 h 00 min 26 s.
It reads 7 h 09 min 01 s
